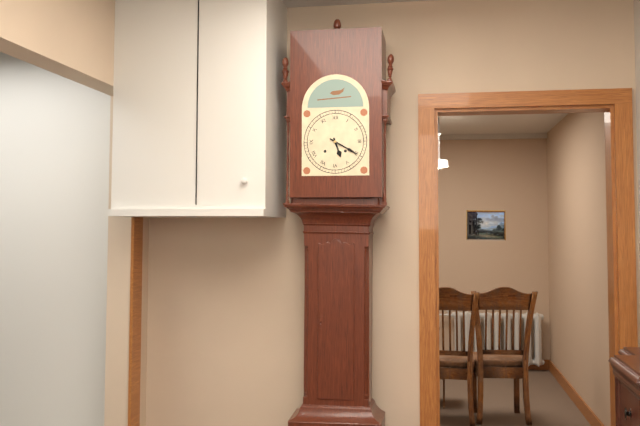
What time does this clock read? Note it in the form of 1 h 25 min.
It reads 5 h 20 min
